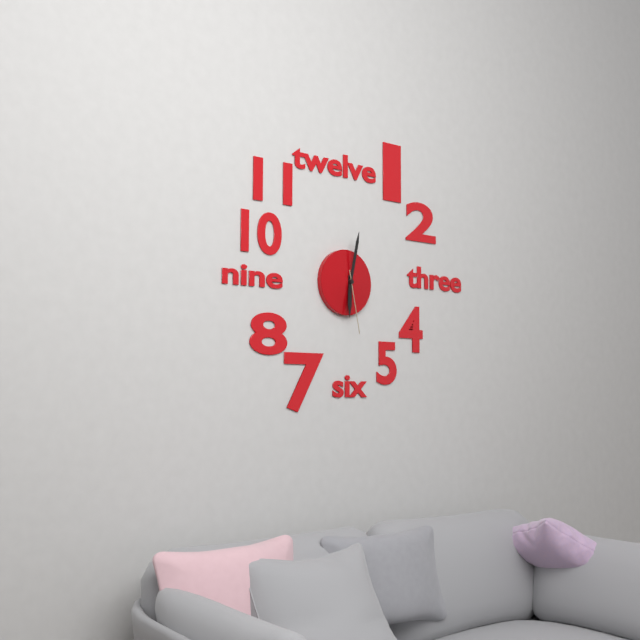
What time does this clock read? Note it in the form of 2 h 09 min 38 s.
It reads 6 h 02 min 28 s
